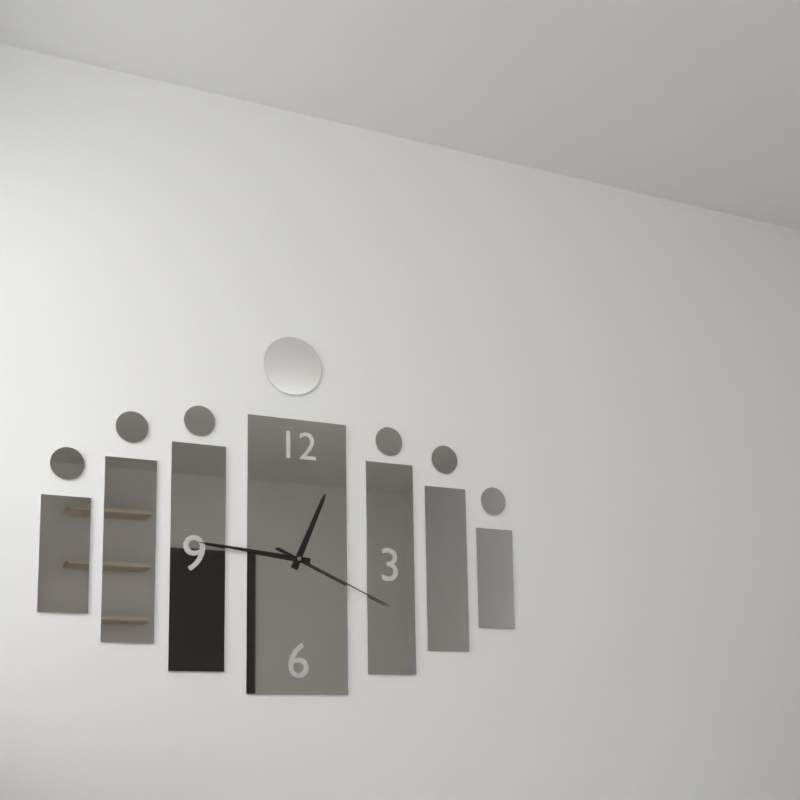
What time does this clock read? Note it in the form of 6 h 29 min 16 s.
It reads 12 h 46 min 19 s
